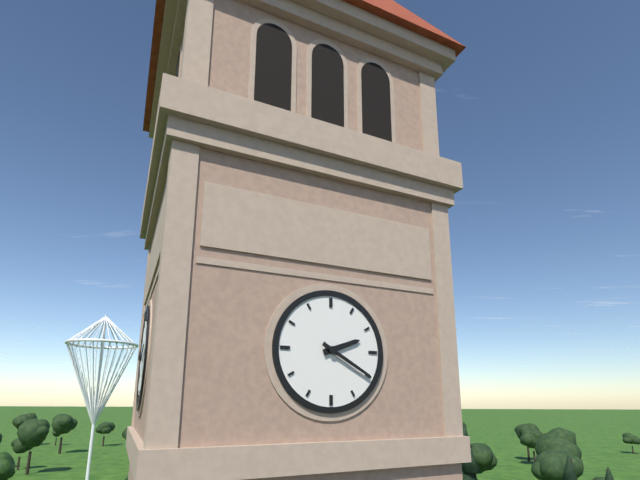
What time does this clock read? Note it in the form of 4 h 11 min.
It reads 2 h 20 min
